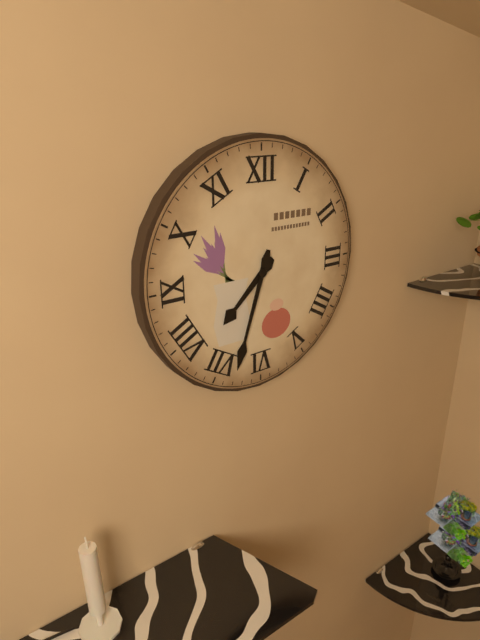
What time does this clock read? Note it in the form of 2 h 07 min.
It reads 7 h 33 min
